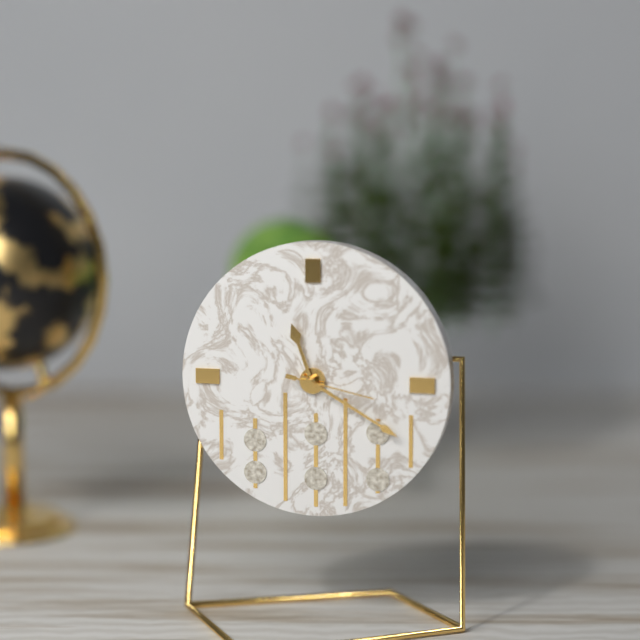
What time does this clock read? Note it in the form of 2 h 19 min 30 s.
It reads 11 h 20 min 17 s
